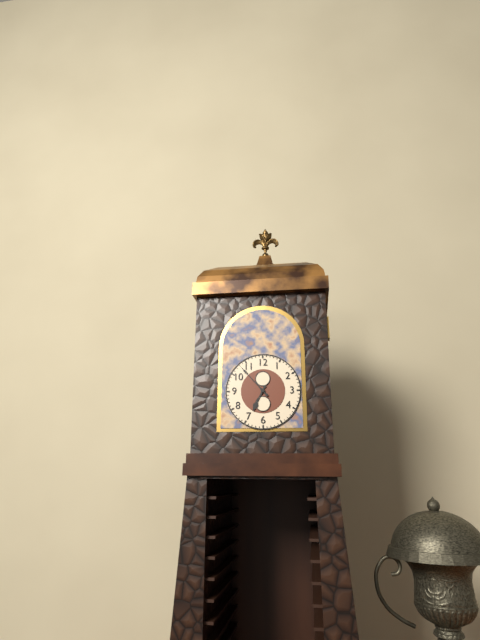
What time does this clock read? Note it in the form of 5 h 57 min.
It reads 6 h 53 min
